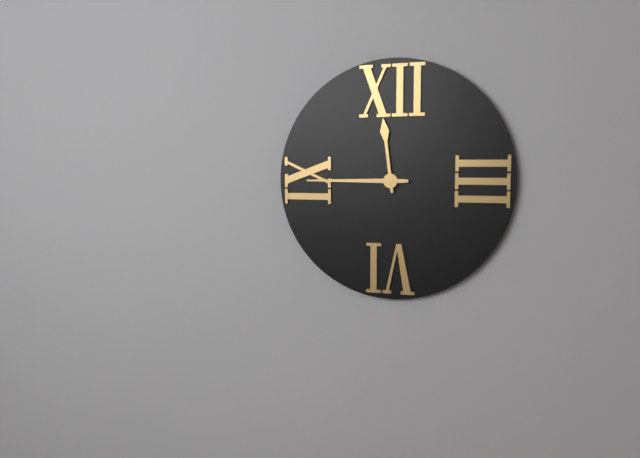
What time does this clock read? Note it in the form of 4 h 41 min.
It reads 11 h 45 min
